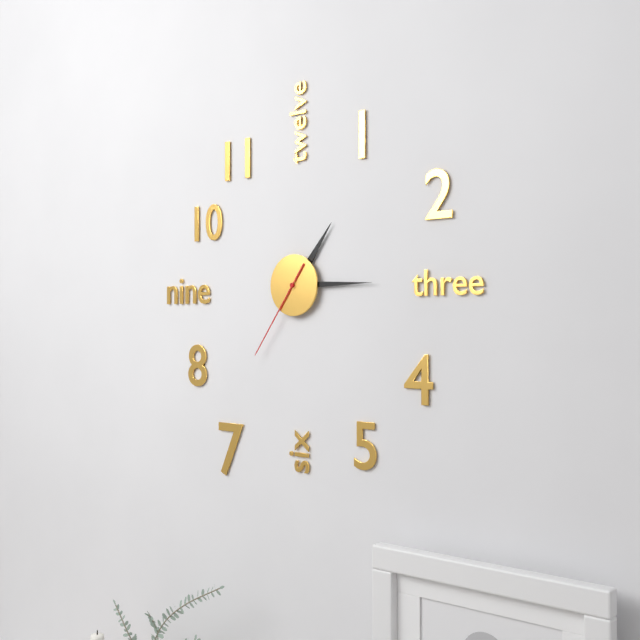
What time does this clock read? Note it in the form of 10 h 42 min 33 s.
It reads 1 h 15 min 36 s
